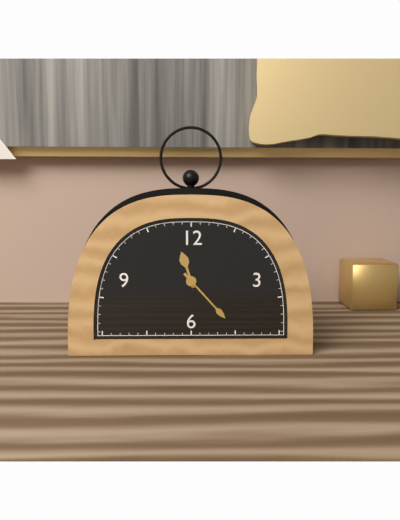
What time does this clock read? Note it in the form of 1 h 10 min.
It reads 11 h 23 min
